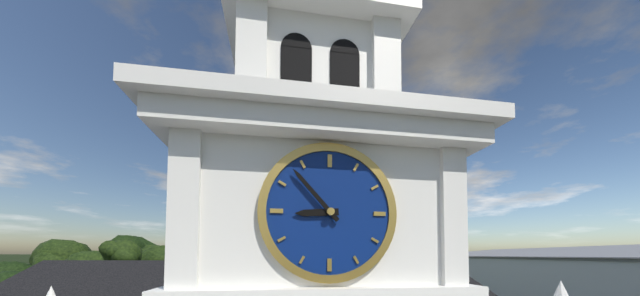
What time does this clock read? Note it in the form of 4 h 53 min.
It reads 8 h 53 min
